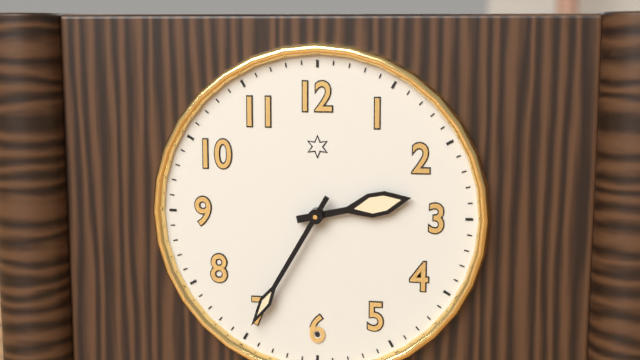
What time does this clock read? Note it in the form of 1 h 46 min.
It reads 2 h 35 min
